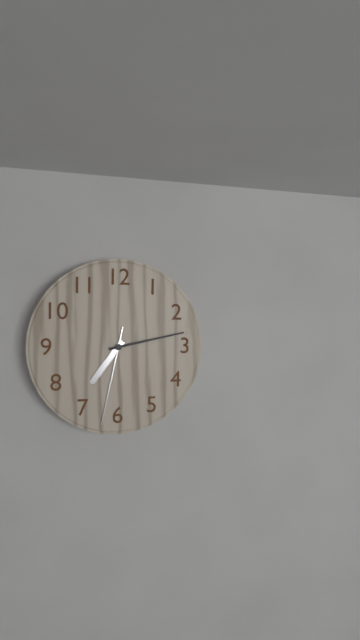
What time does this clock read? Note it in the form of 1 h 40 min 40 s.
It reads 7 h 13 min 32 s
